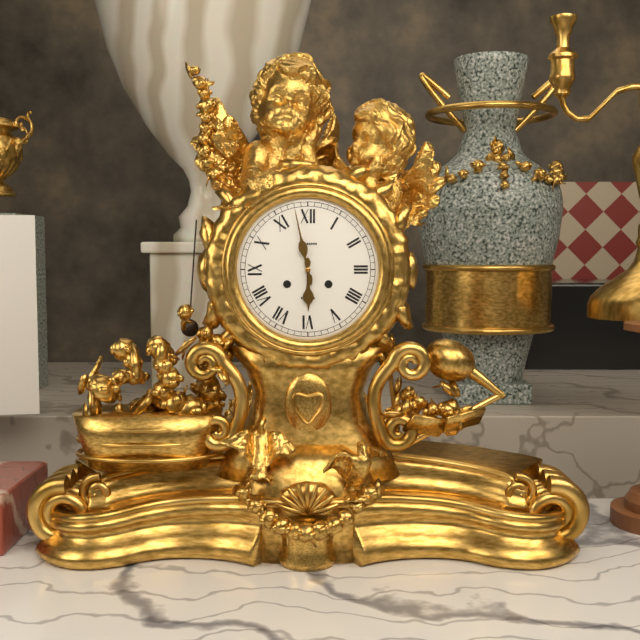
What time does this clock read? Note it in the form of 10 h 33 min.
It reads 5 h 58 min
